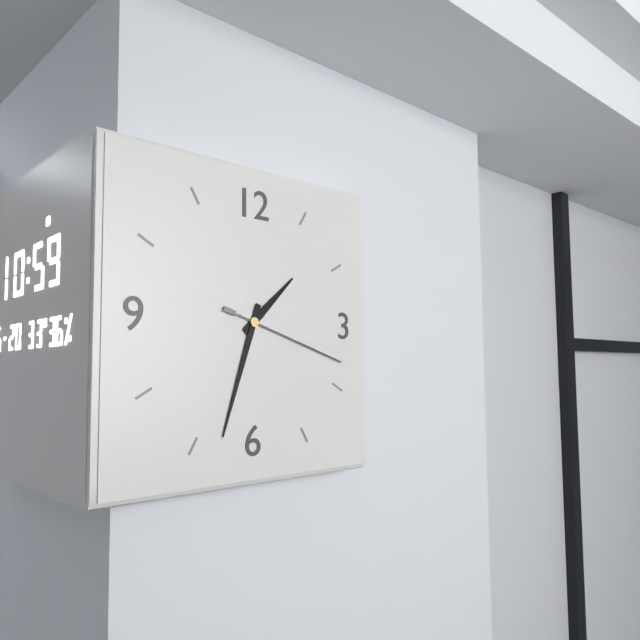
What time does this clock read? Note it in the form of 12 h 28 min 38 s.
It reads 1 h 33 min 18 s
